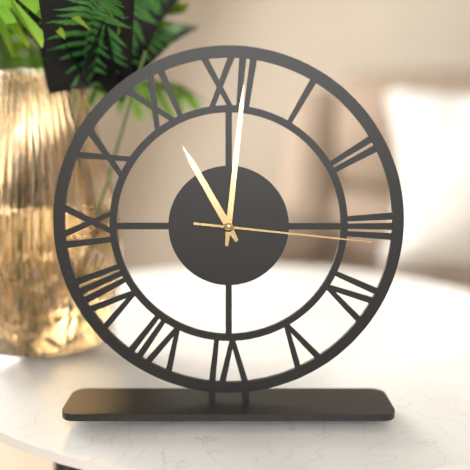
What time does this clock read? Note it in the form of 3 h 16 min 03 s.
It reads 11 h 01 min 16 s
